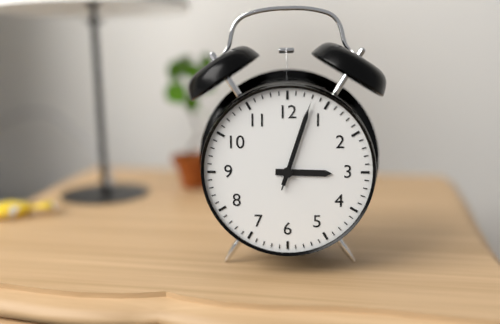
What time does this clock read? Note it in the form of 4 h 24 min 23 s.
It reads 3 h 03 min 03 s
